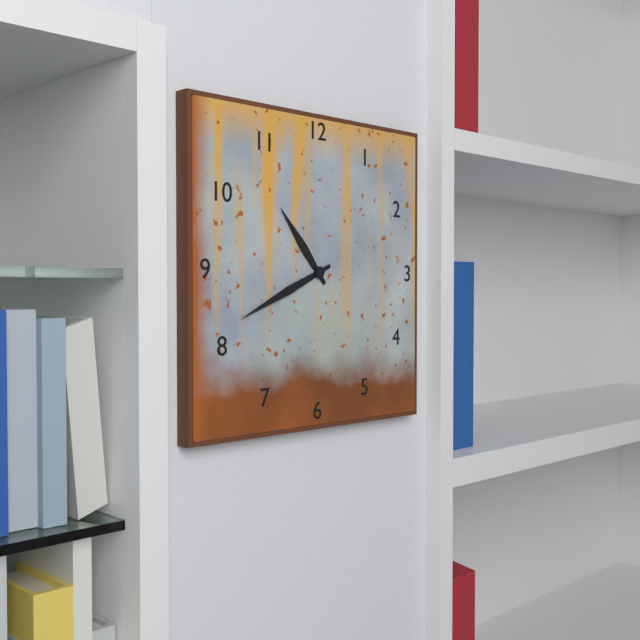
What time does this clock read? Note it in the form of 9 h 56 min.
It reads 10 h 41 min
